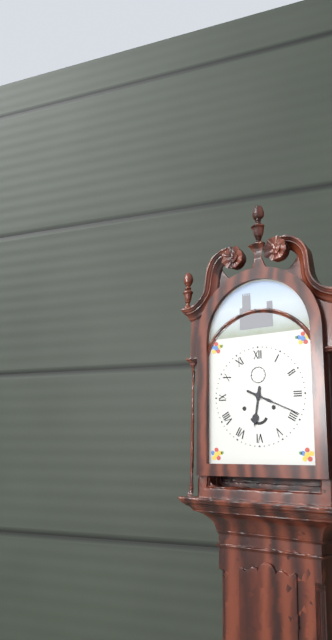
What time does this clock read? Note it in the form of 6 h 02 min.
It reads 6 h 19 min
